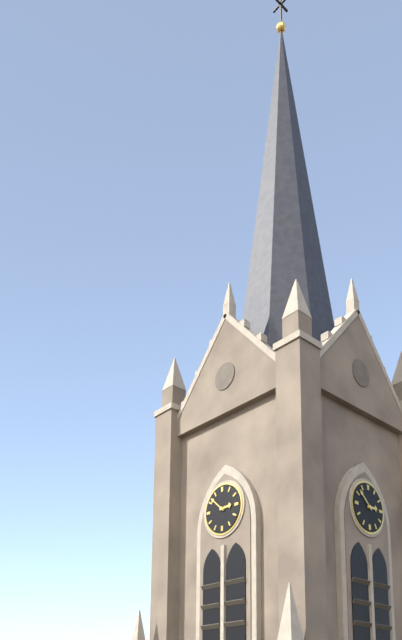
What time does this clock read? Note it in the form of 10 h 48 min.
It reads 2 h 52 min
